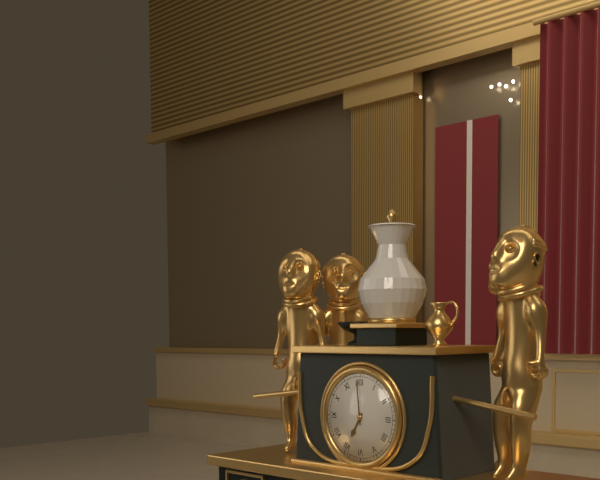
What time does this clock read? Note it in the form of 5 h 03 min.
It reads 6 h 59 min
